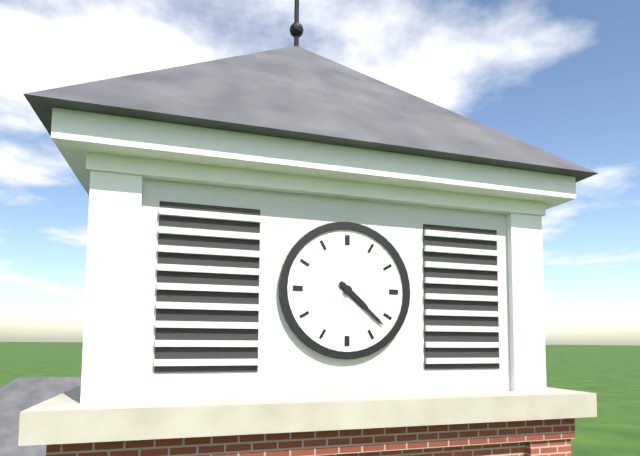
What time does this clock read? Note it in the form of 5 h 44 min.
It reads 4 h 22 min
